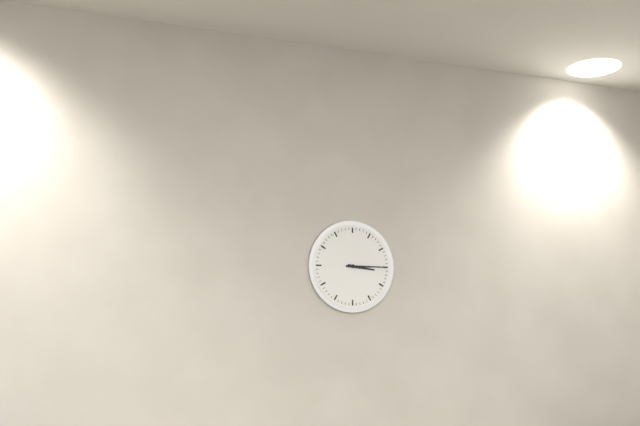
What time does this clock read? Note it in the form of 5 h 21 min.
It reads 3 h 15 min
